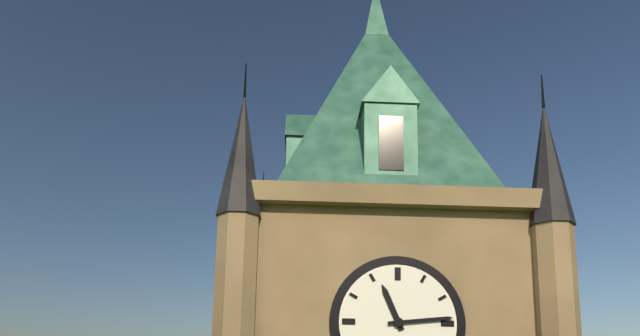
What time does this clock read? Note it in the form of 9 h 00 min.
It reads 11 h 14 min
